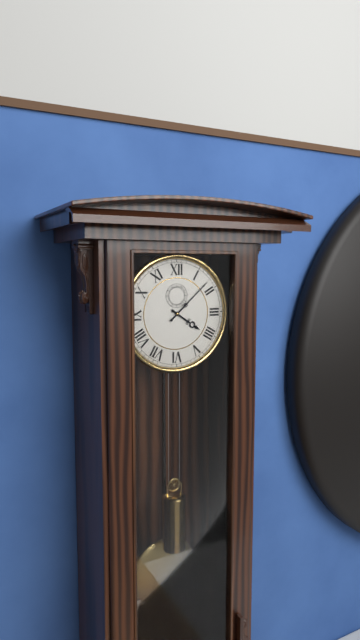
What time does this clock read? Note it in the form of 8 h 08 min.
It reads 4 h 08 min
